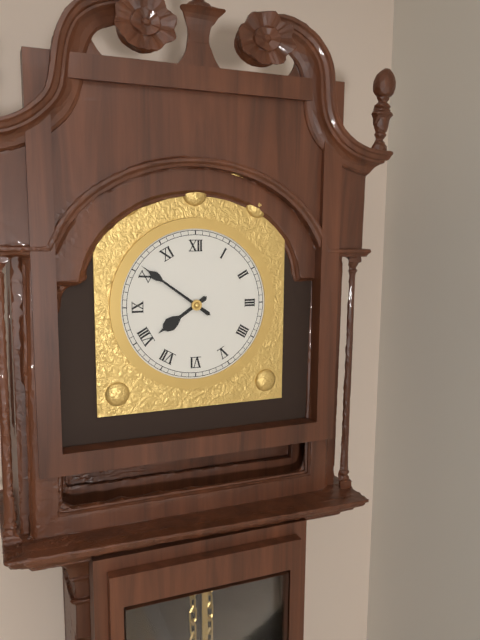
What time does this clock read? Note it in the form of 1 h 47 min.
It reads 7 h 51 min
